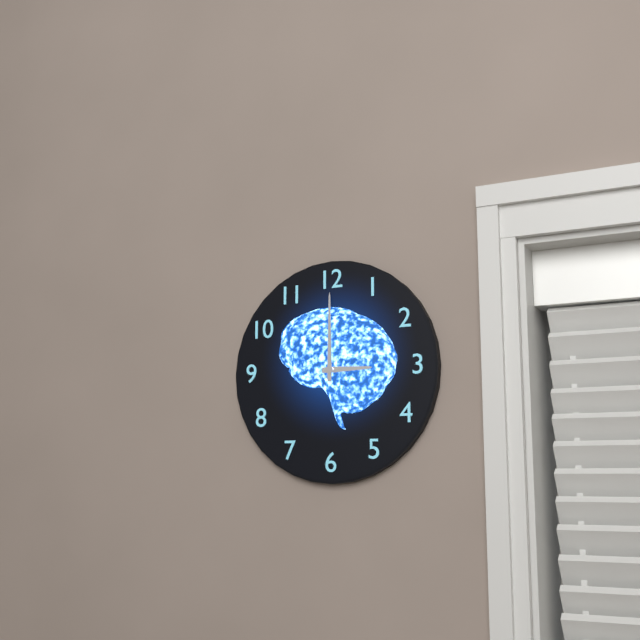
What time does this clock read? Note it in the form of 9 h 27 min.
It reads 3 h 00 min
